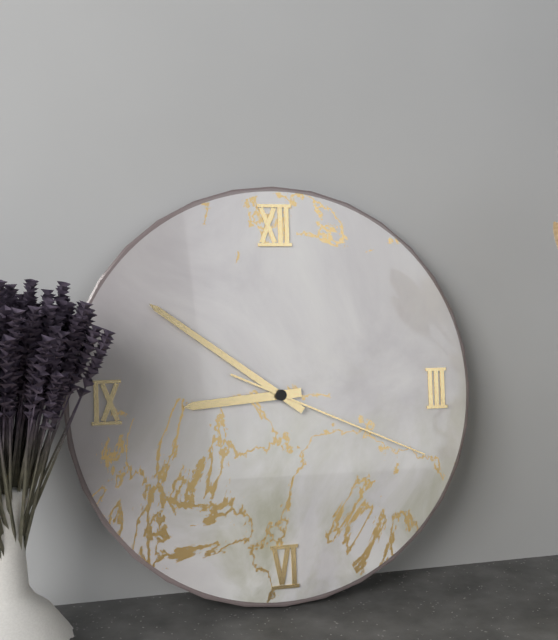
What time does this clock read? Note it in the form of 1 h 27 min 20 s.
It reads 8 h 51 min 19 s
